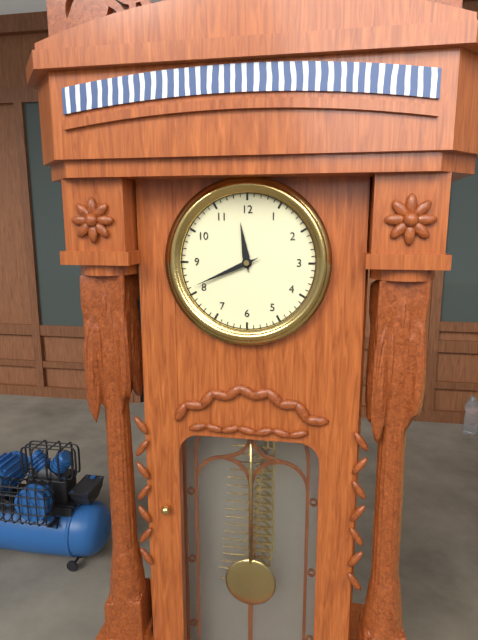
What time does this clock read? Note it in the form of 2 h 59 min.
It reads 11 h 41 min
